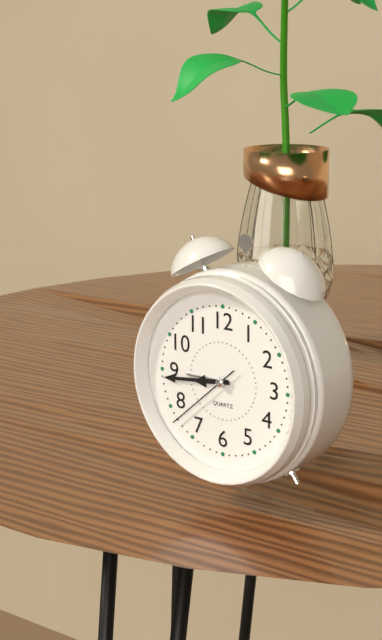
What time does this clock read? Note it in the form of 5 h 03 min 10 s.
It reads 8 h 44 min 38 s
